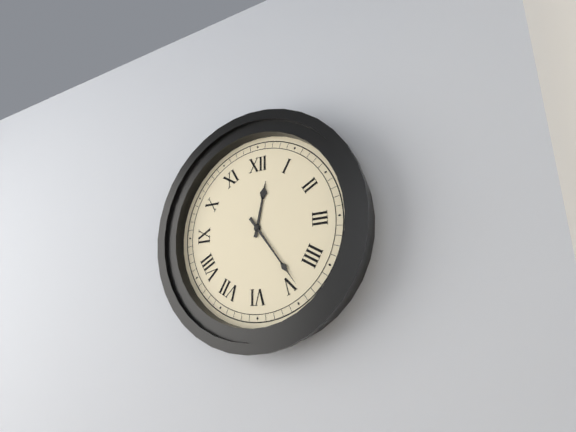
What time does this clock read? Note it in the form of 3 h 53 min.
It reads 12 h 24 min
